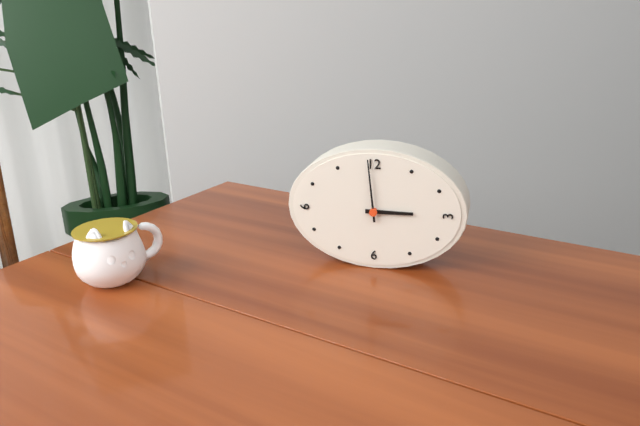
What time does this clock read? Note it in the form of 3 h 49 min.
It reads 2 h 59 min
